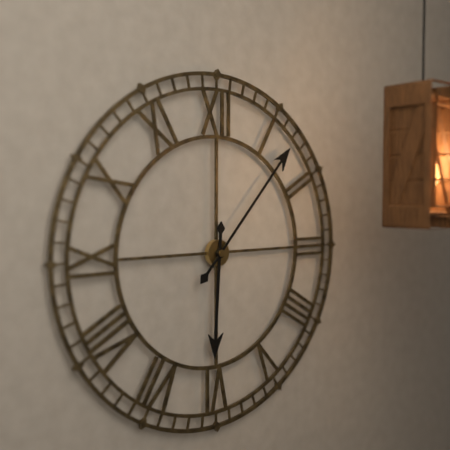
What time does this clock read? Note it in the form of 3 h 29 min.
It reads 6 h 07 min
